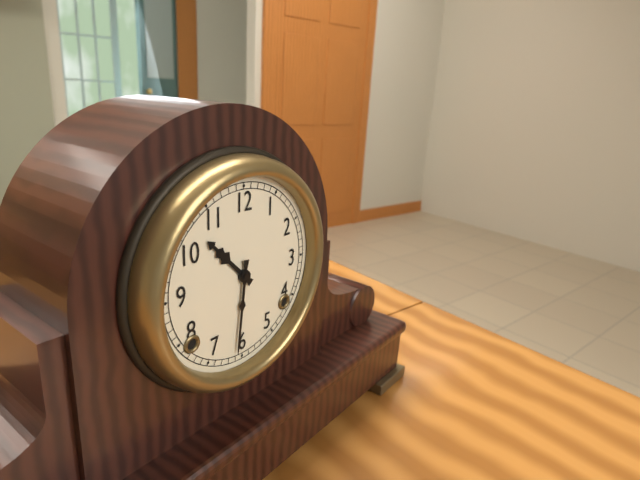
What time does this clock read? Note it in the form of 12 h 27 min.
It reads 10 h 31 min
